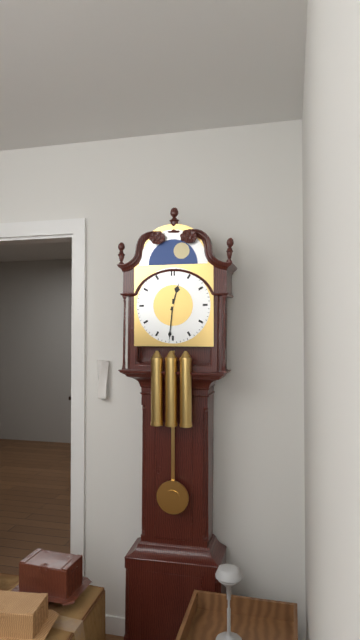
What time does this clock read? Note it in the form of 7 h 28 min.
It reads 12 h 31 min
